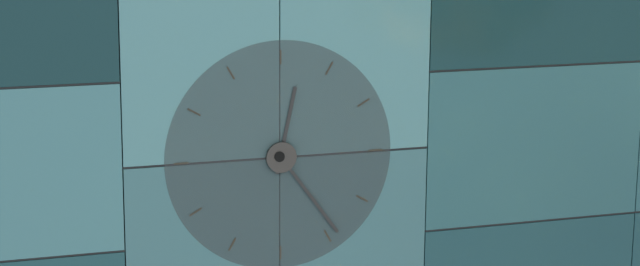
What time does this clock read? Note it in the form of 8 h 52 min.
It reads 12 h 24 min
